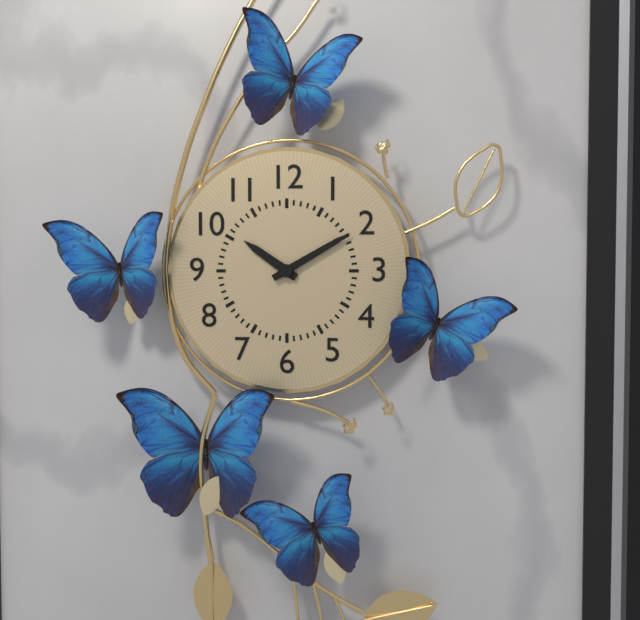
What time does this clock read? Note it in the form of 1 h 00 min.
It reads 10 h 10 min
